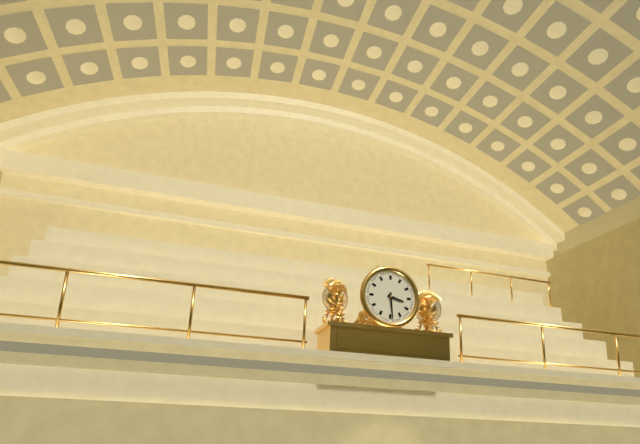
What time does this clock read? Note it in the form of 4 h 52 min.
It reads 3 h 29 min
